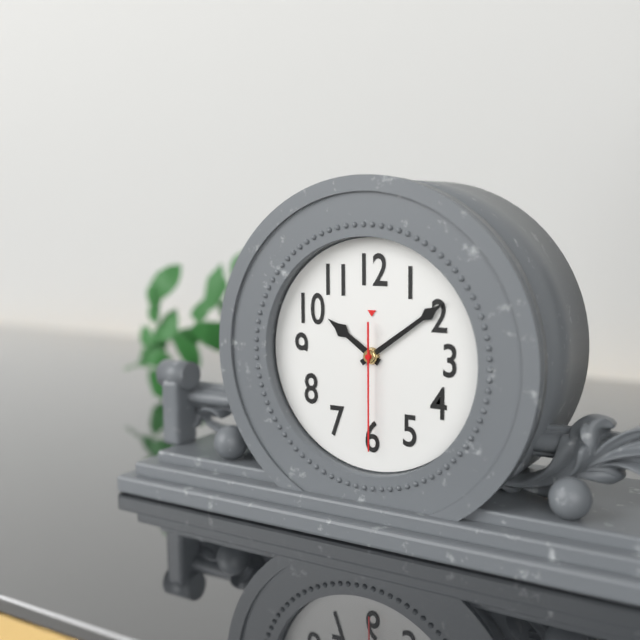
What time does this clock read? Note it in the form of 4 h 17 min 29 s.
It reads 10 h 09 min 30 s
